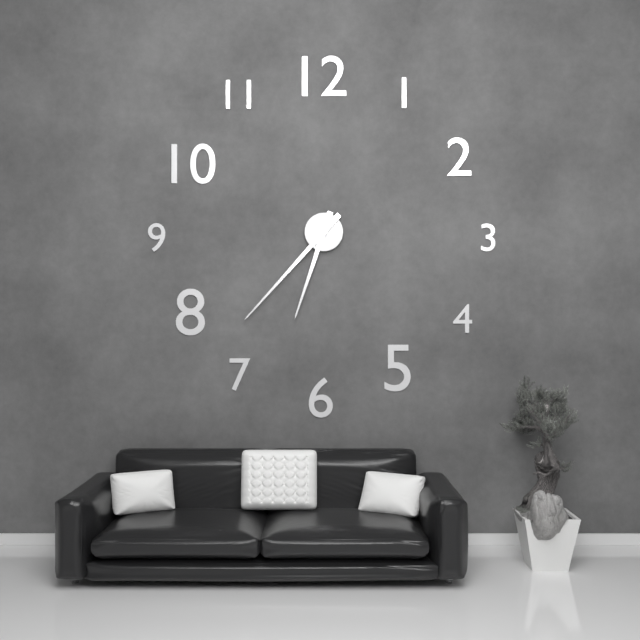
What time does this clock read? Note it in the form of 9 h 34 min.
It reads 6 h 37 min
